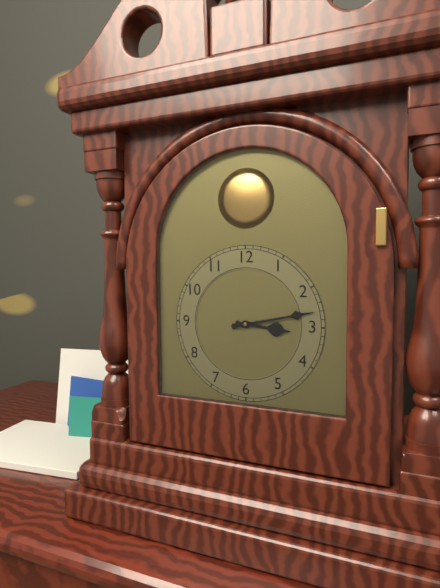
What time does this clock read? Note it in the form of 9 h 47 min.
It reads 3 h 13 min
